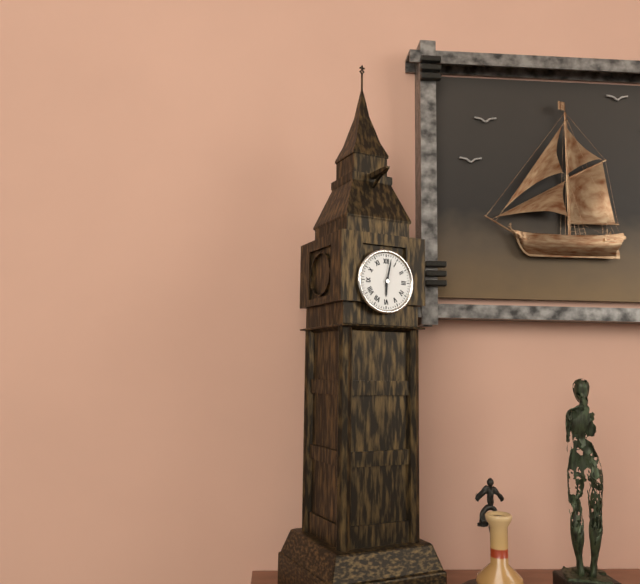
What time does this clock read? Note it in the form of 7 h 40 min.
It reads 6 h 02 min
